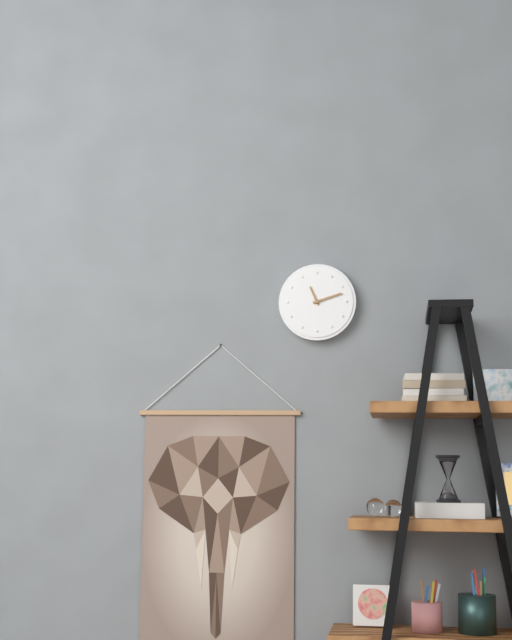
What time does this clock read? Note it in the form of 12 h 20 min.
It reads 11 h 12 min
